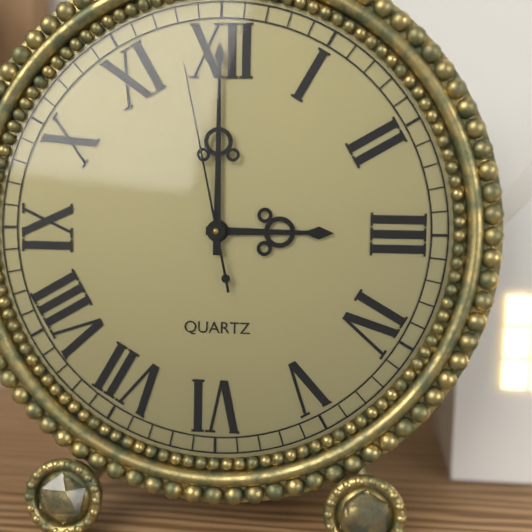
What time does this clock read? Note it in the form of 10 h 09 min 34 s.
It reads 3 h 00 min 58 s
